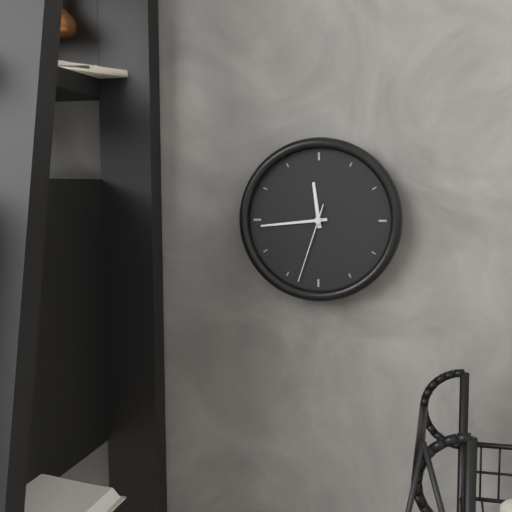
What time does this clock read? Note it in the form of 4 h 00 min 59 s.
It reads 11 h 44 min 33 s
